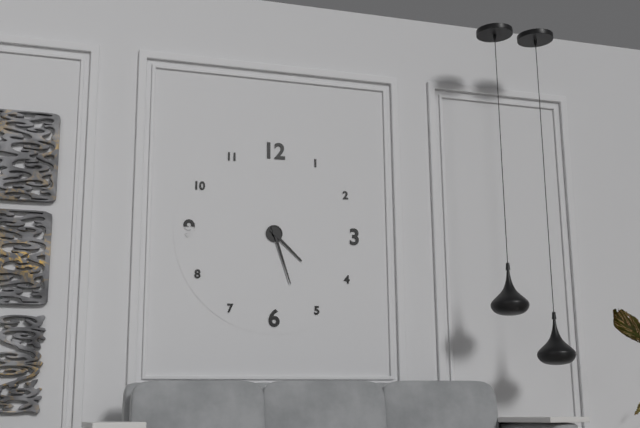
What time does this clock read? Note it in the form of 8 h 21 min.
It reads 4 h 27 min
